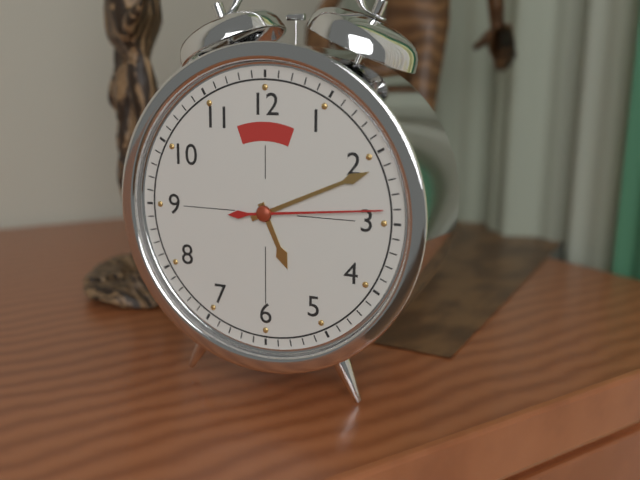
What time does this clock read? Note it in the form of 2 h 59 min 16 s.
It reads 5 h 11 min 14 s
